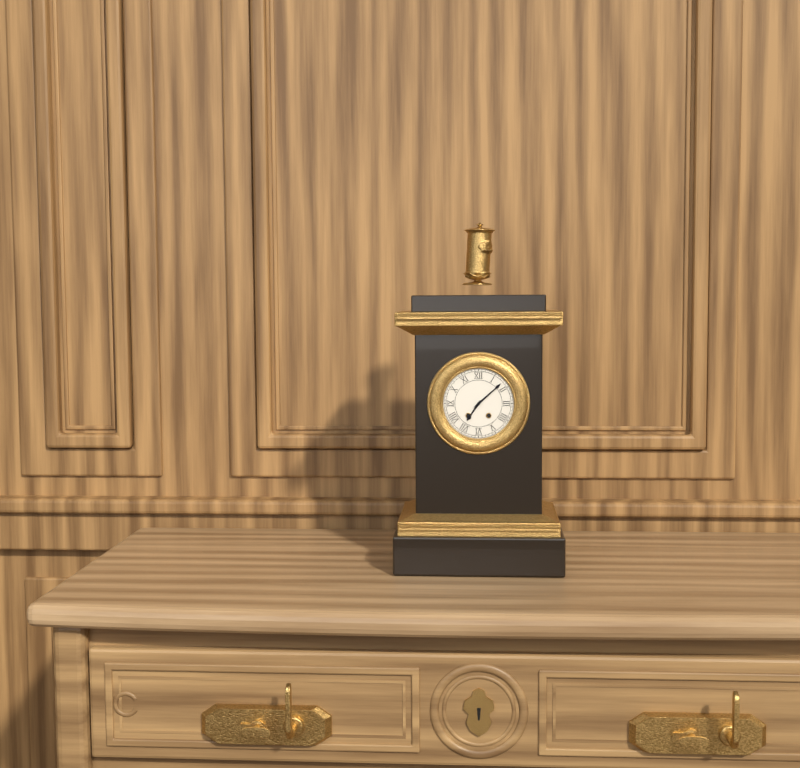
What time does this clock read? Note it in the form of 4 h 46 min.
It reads 7 h 08 min
